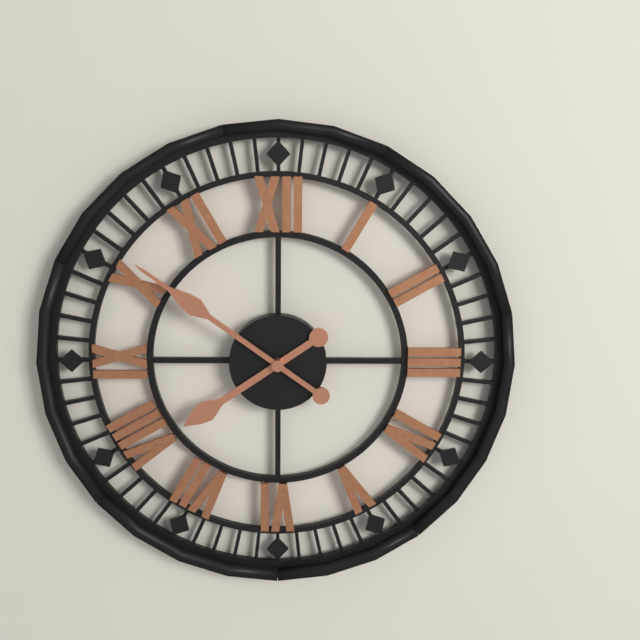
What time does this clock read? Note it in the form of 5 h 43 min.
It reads 7 h 51 min
